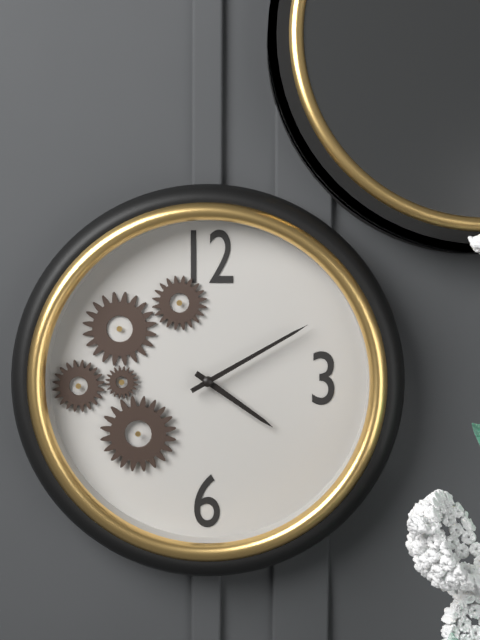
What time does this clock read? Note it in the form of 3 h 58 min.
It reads 4 h 10 min
